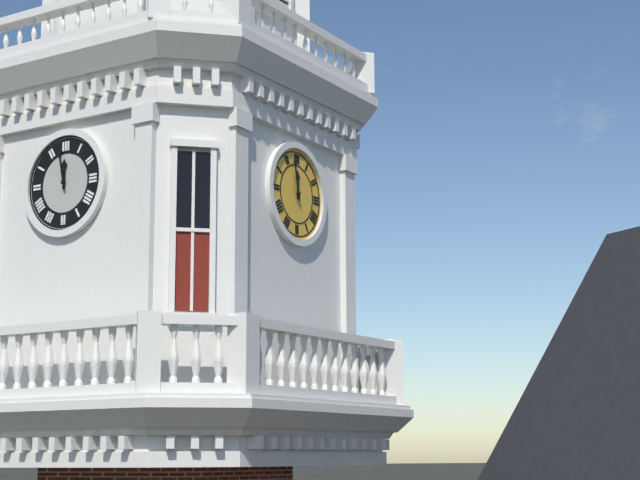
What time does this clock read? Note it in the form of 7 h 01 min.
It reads 11 h 58 min
